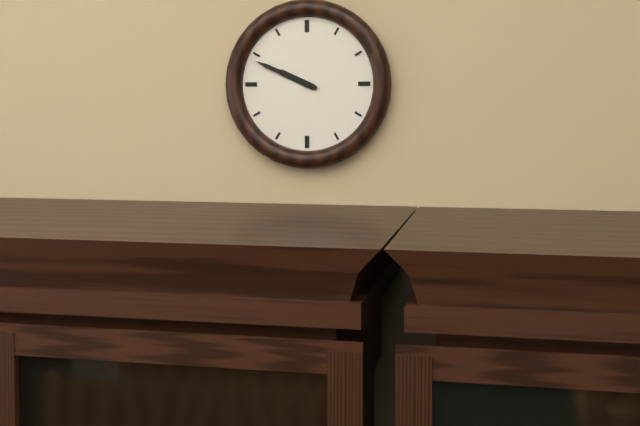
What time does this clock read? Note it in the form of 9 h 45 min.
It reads 9 h 49 min
